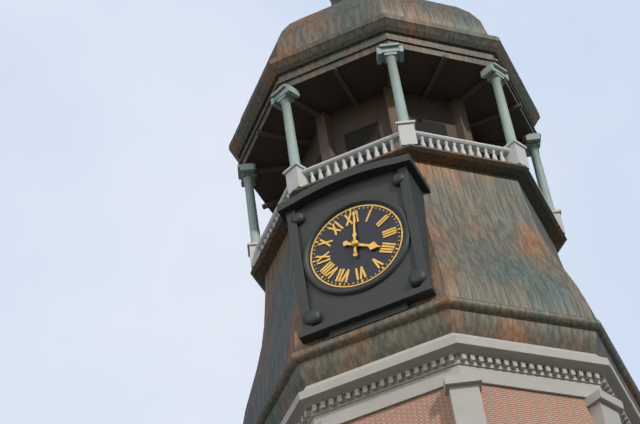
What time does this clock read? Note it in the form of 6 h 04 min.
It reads 4 h 01 min
